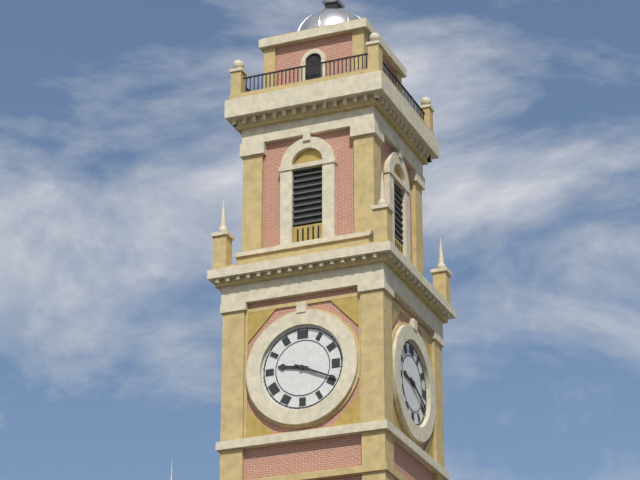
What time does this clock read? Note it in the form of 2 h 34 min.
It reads 9 h 19 min
